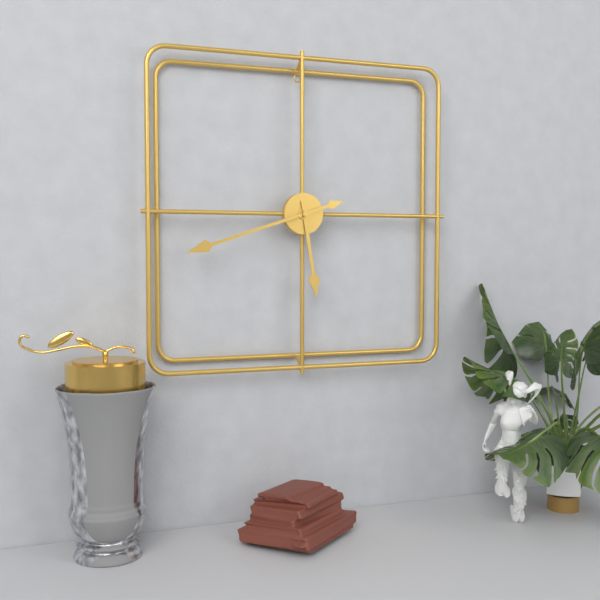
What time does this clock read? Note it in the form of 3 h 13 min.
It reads 5 h 42 min
